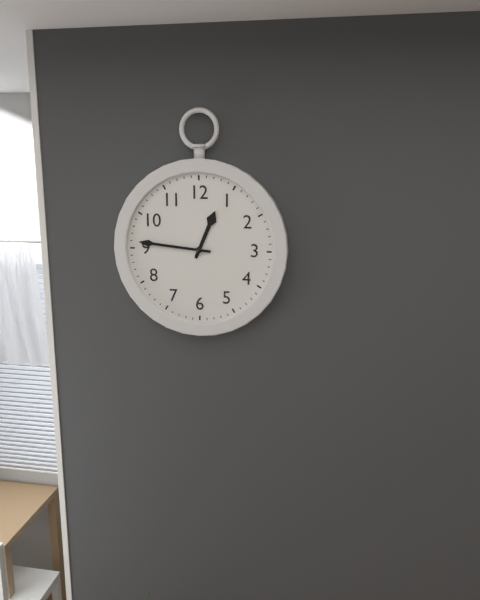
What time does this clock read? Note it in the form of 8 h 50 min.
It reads 12 h 46 min
